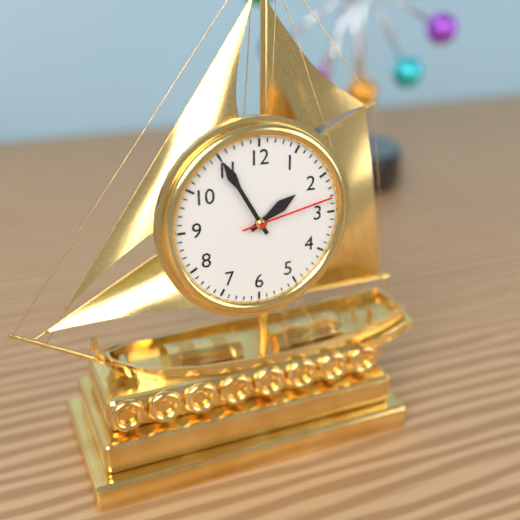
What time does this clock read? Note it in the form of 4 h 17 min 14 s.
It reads 1 h 55 min 13 s
